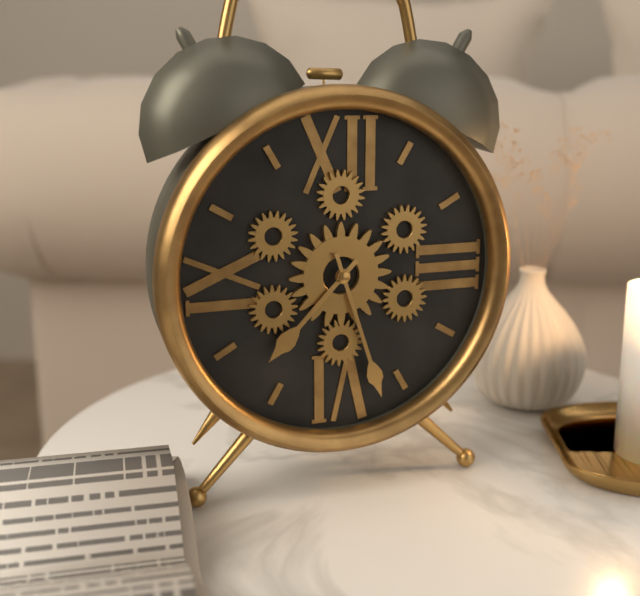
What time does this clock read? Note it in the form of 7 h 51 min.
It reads 7 h 27 min
